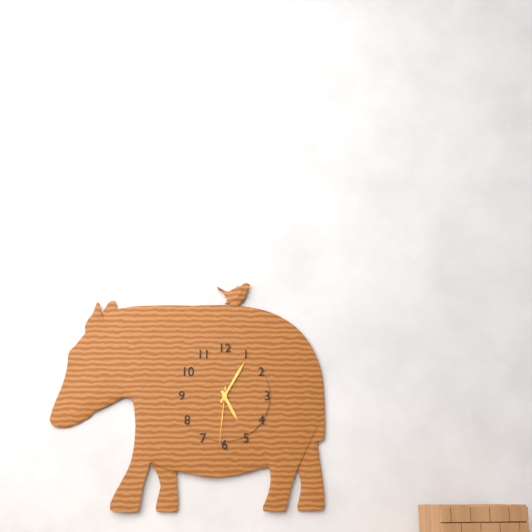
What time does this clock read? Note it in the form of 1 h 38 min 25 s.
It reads 5 h 05 min 31 s
